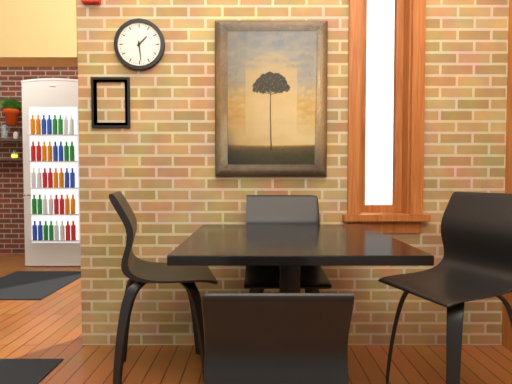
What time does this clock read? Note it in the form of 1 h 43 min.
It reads 1 h 29 min
